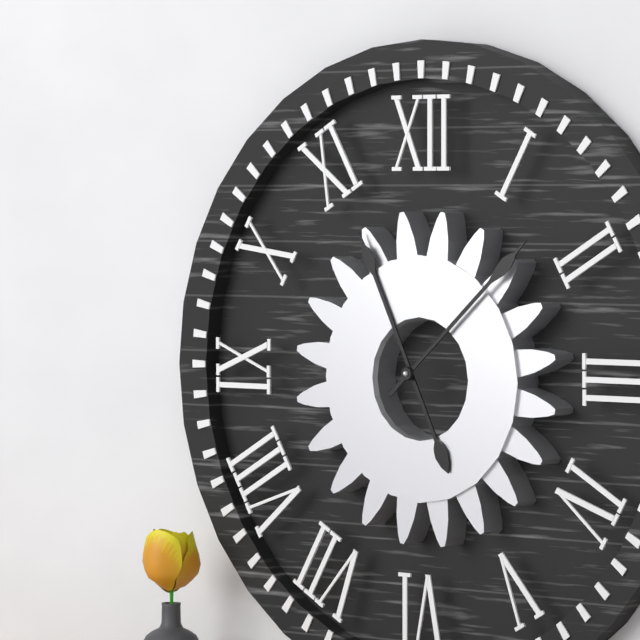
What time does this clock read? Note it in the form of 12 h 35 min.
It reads 11 h 08 min
